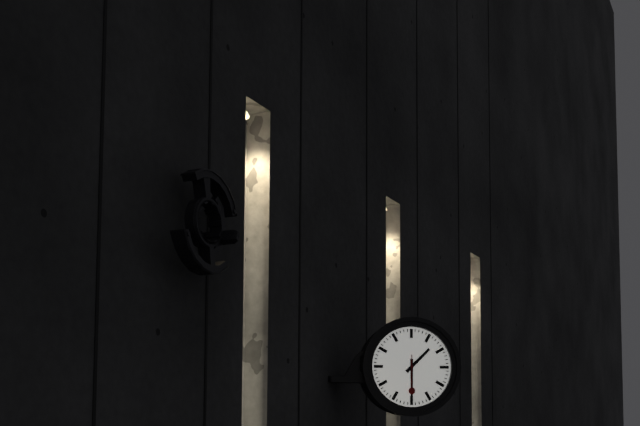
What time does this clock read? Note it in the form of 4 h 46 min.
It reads 1 h 30 min
